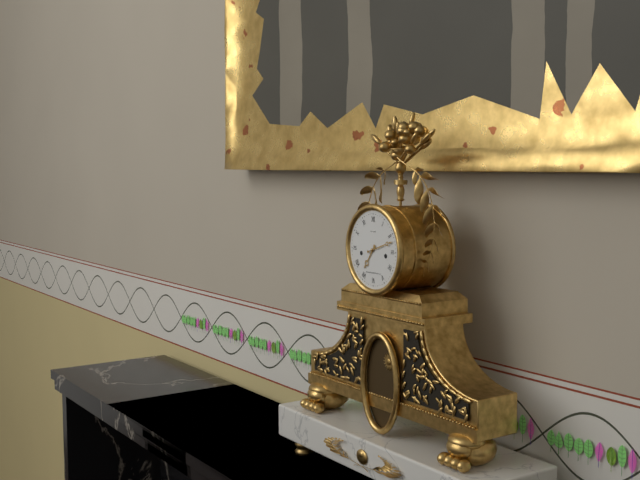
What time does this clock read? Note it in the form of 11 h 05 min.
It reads 7 h 12 min
